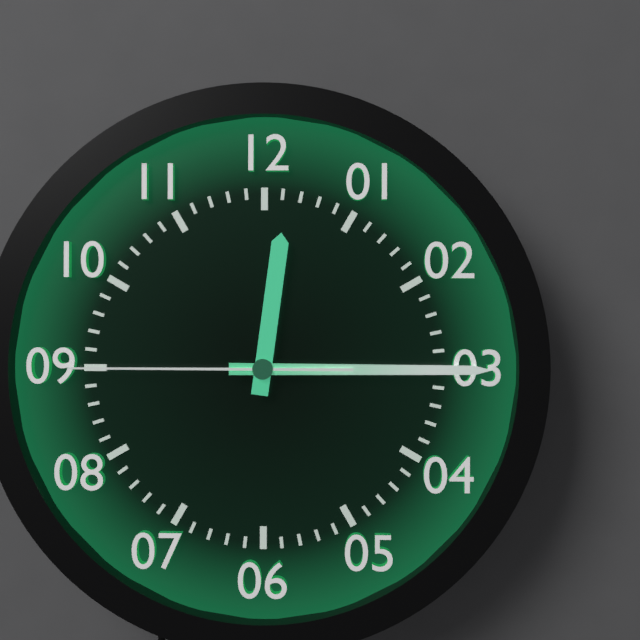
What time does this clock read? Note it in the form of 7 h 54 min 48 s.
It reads 12 h 15 min 45 s
